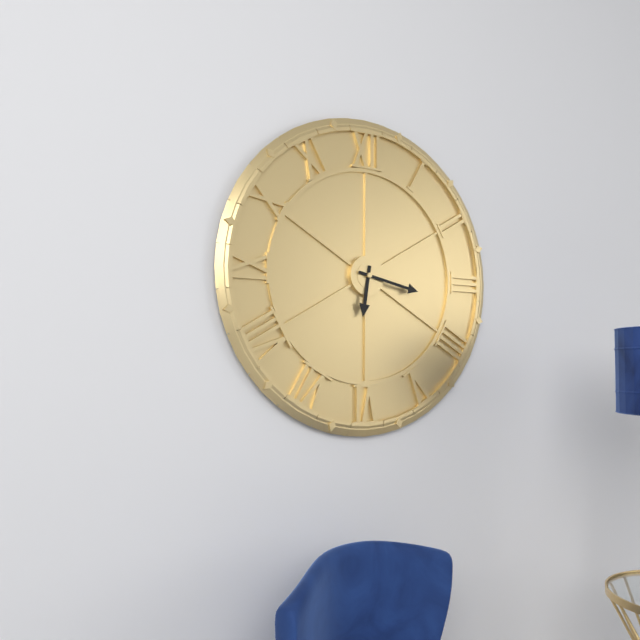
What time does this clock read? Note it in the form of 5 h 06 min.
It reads 6 h 17 min
